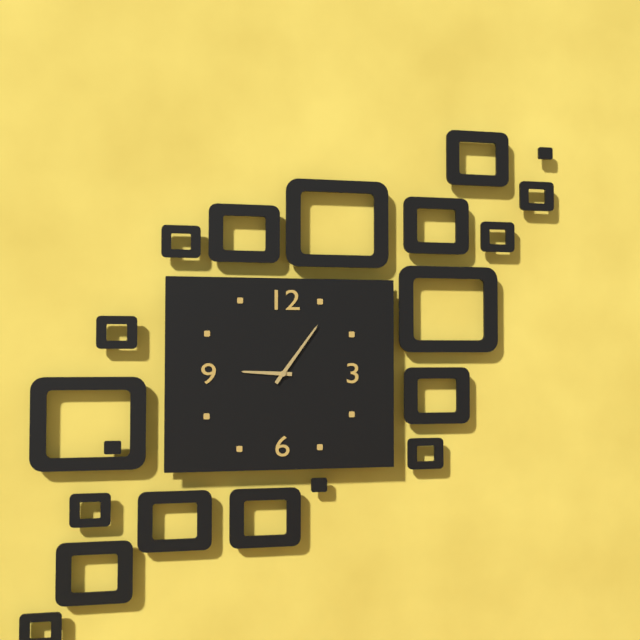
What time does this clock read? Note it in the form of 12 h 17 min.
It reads 9 h 06 min
